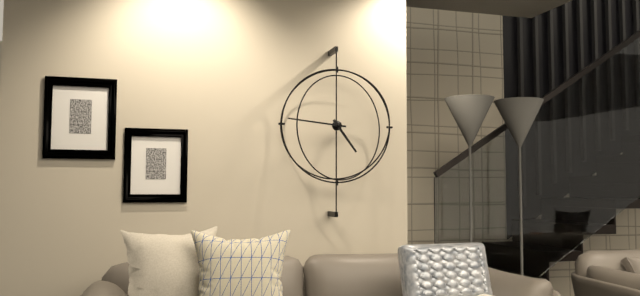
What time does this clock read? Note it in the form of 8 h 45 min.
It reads 4 h 46 min
